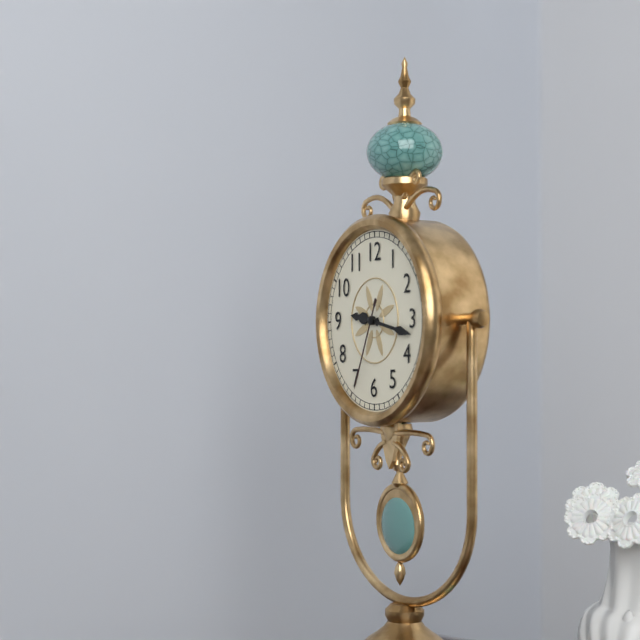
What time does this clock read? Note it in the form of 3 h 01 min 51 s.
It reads 9 h 17 min 34 s
